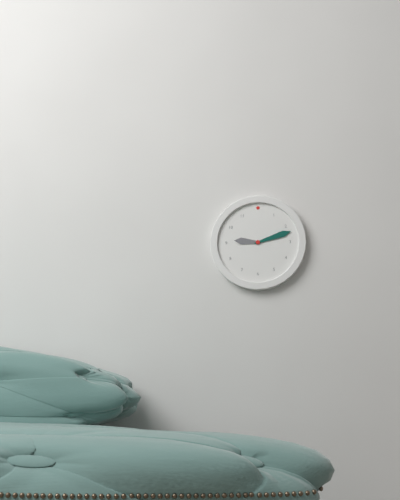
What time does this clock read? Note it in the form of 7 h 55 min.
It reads 9 h 12 min
